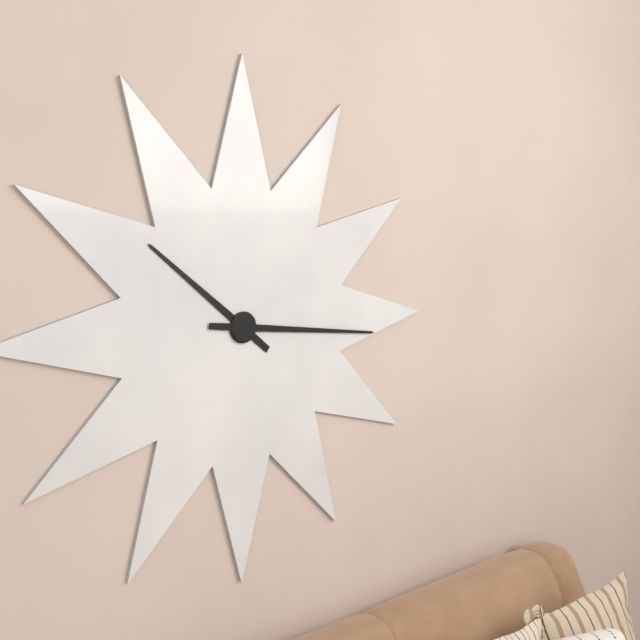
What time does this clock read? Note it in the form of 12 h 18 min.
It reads 10 h 16 min
